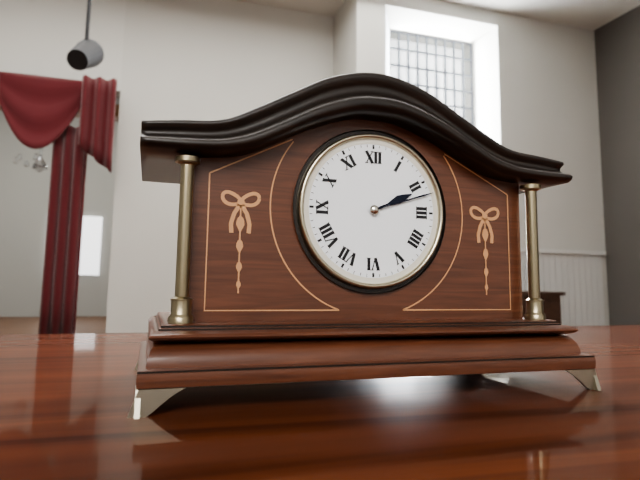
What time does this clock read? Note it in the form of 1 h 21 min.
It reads 2 h 12 min
